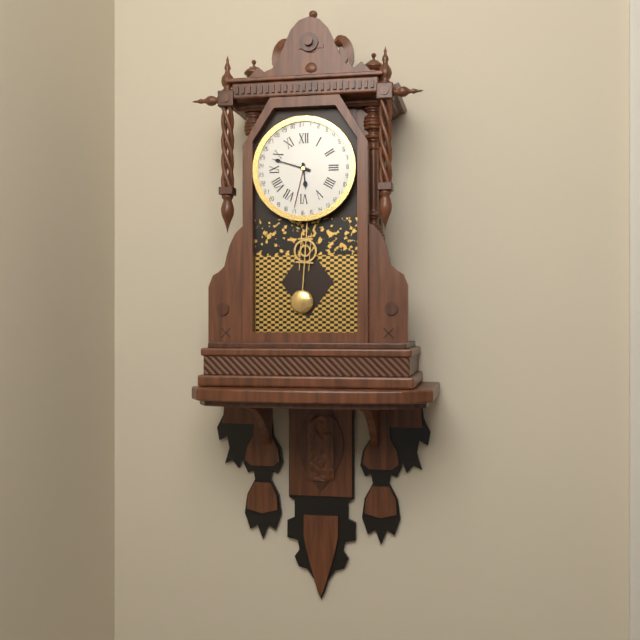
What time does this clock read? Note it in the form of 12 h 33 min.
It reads 5 h 48 min
